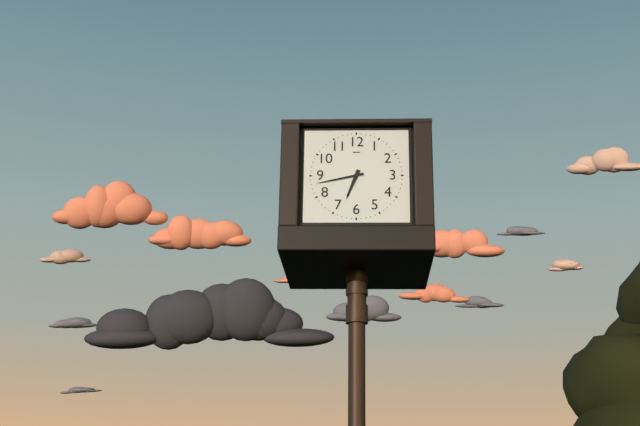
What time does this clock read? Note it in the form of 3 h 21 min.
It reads 6 h 43 min
